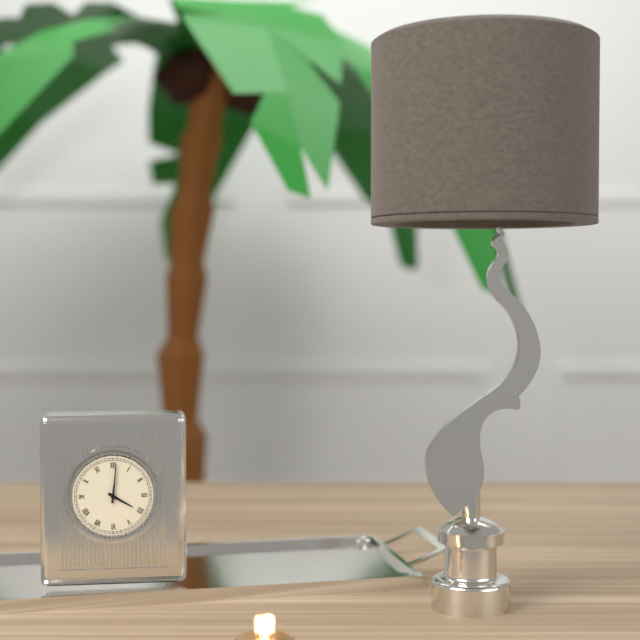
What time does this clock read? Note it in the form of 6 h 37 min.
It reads 4 h 01 min
